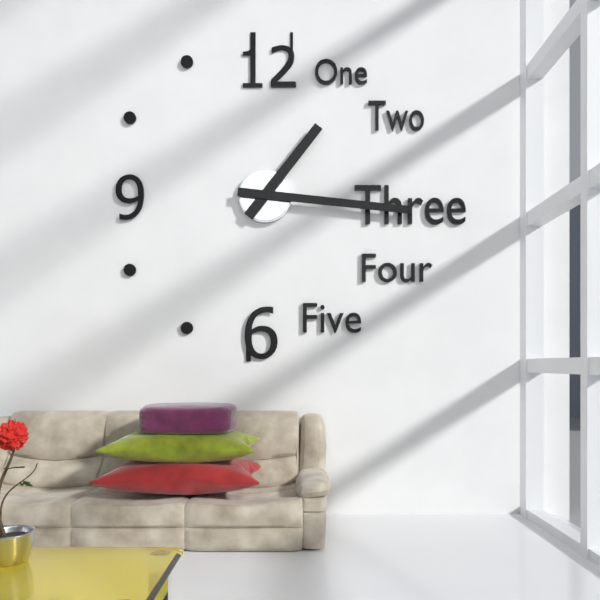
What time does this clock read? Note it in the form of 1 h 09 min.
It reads 1 h 16 min
